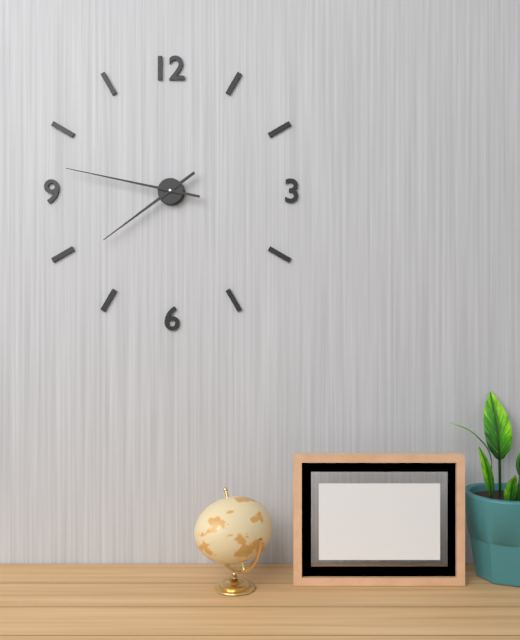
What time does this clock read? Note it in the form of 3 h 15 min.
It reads 7 h 47 min
